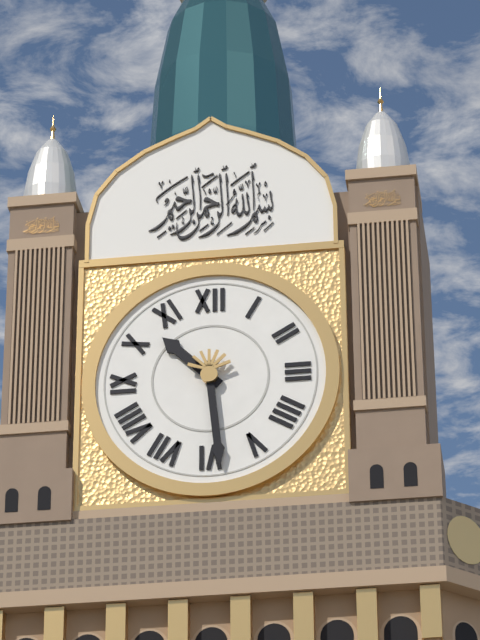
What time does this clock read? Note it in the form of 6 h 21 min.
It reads 10 h 29 min
